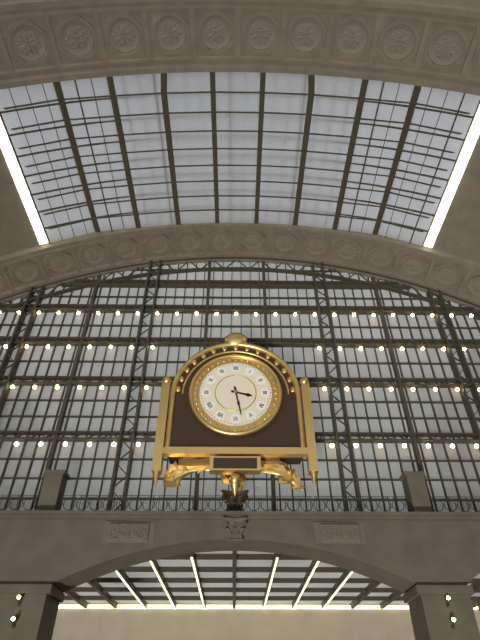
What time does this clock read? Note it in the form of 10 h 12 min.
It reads 3 h 28 min
